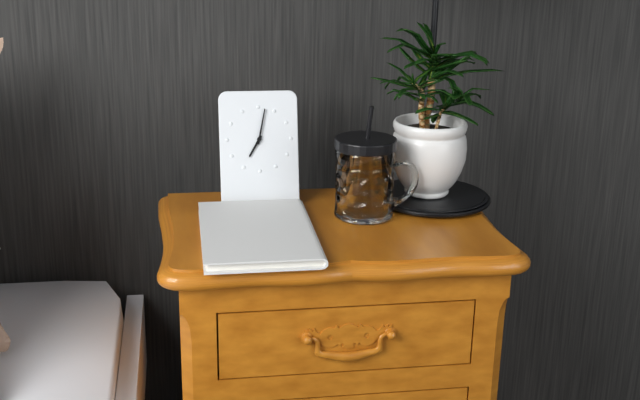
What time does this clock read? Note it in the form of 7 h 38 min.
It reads 7 h 02 min
